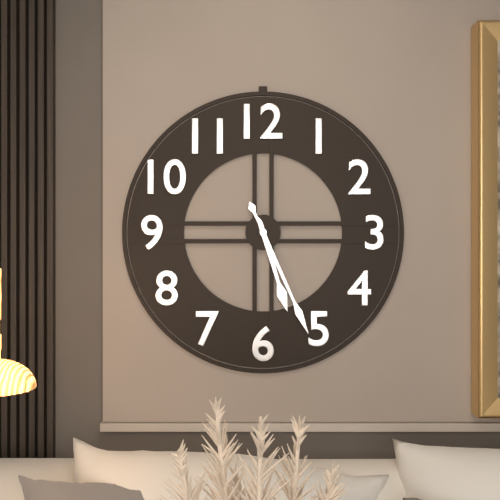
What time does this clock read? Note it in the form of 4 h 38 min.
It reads 5 h 26 min
